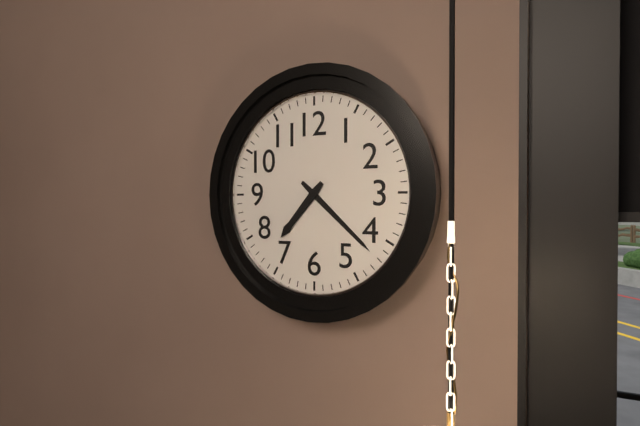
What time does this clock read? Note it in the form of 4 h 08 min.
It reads 7 h 22 min
